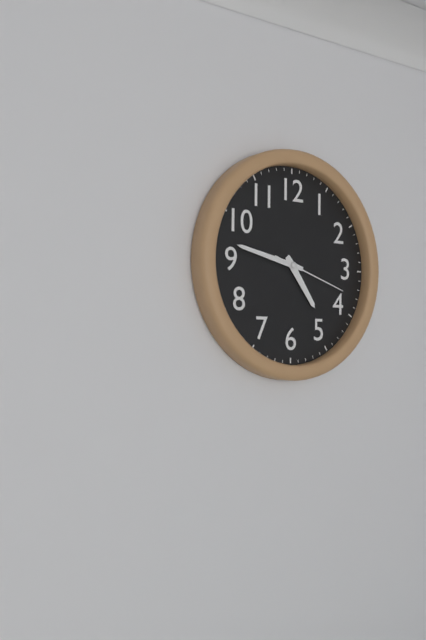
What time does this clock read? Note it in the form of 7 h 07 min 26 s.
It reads 4 h 47 min 18 s
